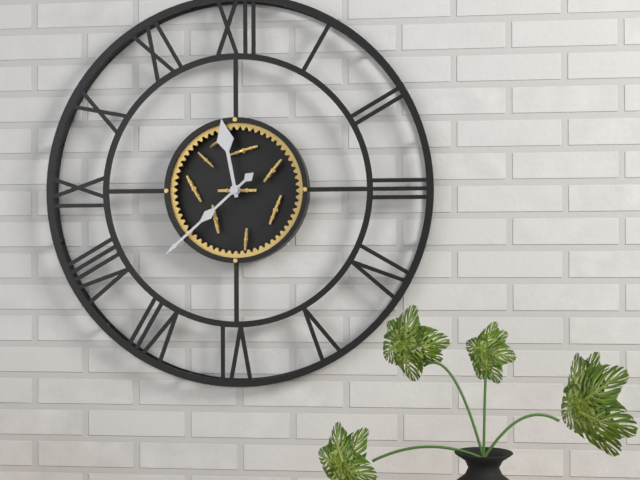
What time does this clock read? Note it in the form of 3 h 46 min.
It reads 11 h 38 min
